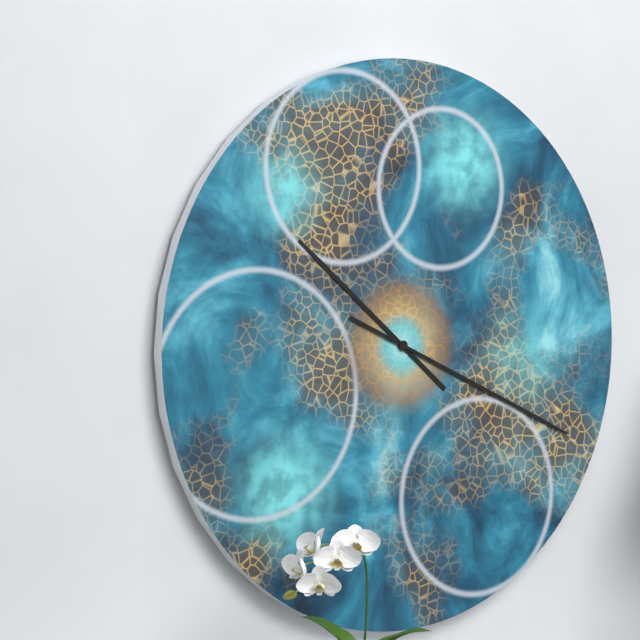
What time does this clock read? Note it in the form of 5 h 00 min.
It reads 10 h 19 min
